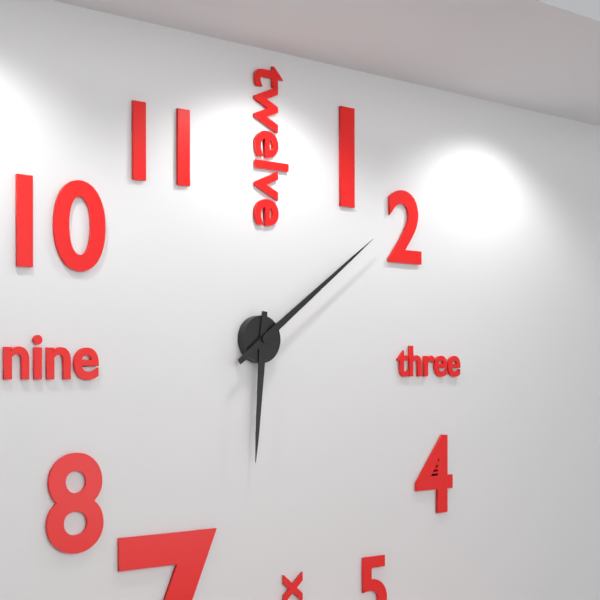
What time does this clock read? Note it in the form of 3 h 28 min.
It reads 6 h 09 min
